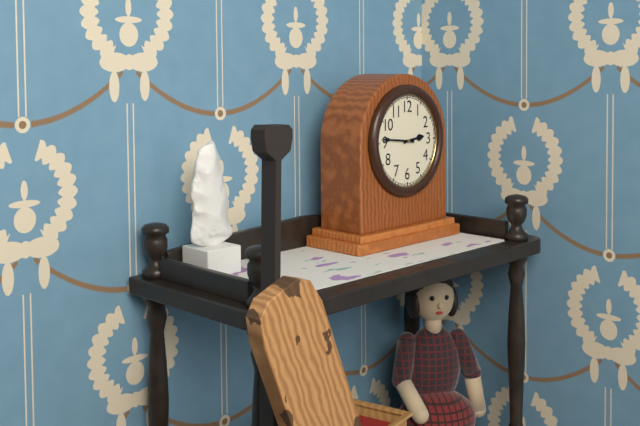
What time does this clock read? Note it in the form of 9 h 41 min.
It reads 2 h 46 min
